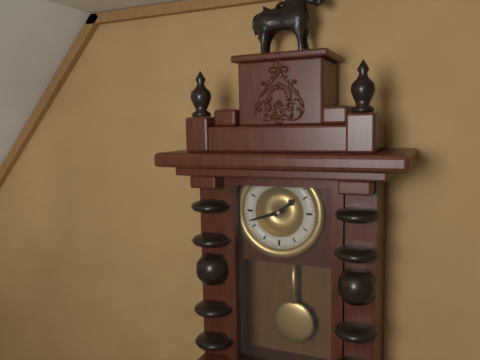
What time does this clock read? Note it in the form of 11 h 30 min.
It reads 1 h 42 min
